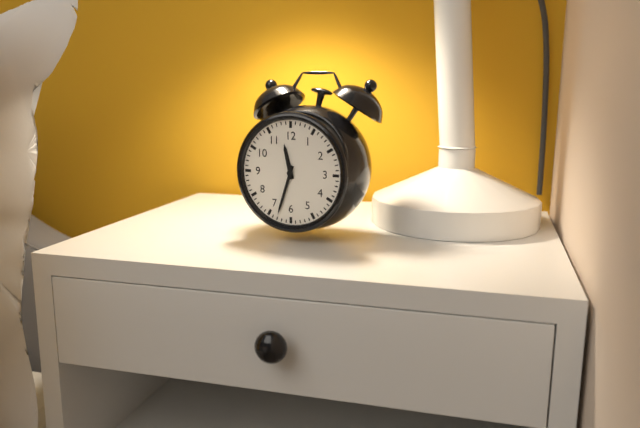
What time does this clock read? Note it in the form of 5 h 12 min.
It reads 11 h 33 min
